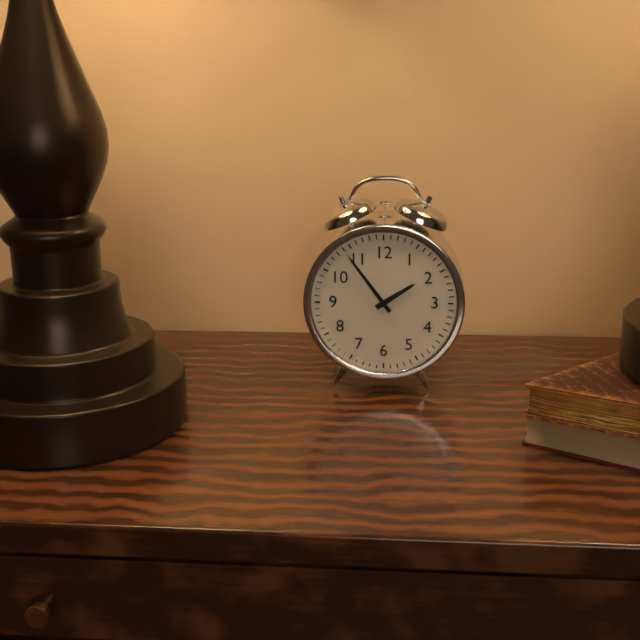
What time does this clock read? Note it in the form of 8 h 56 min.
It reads 1 h 54 min
